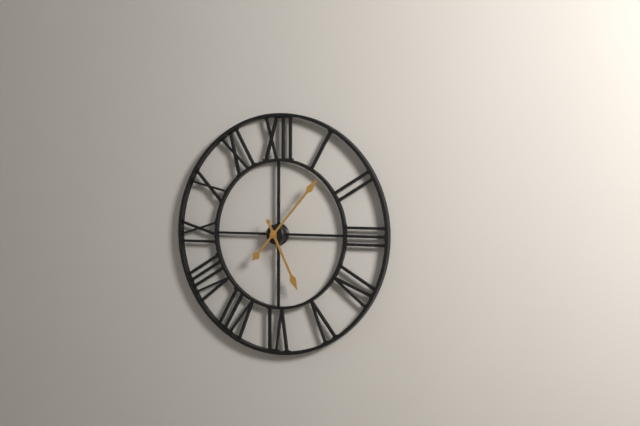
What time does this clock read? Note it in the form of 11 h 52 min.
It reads 5 h 07 min
